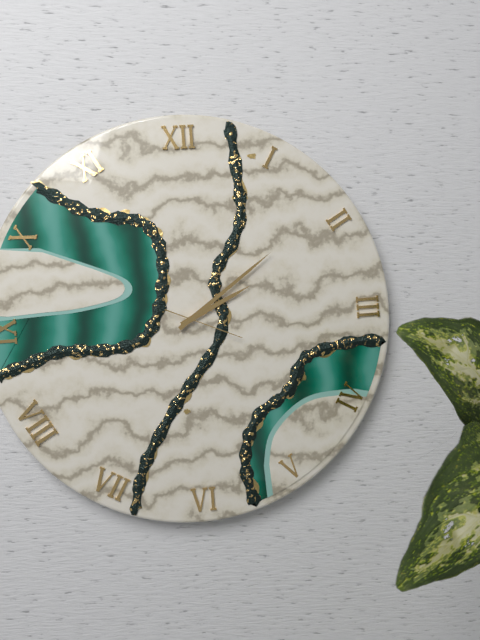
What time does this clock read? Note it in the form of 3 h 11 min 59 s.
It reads 2 h 09 min 19 s
